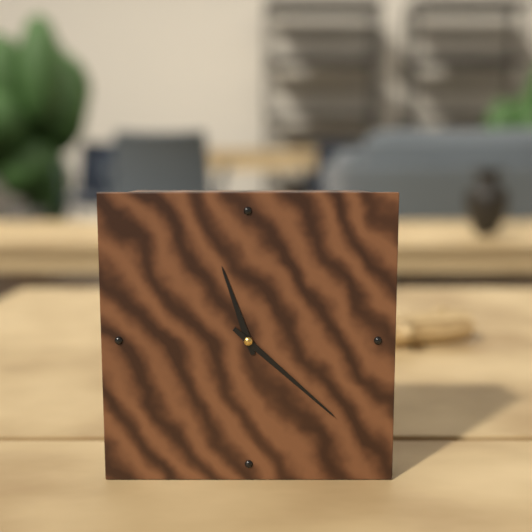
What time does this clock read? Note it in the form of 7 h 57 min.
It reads 11 h 22 min
